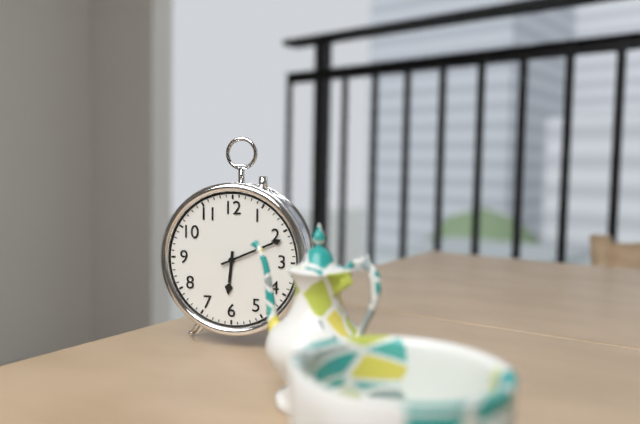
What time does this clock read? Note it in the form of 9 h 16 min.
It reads 6 h 11 min
